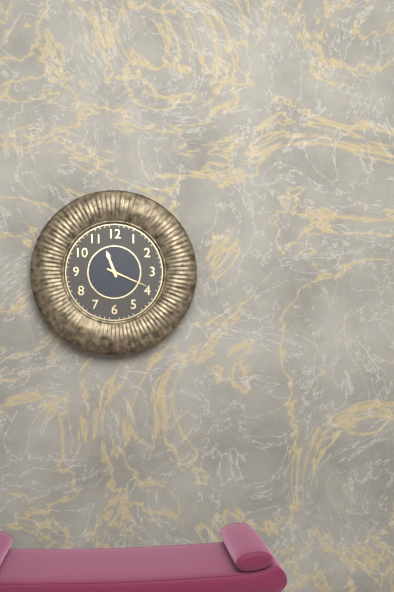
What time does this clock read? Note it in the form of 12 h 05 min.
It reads 11 h 19 min
